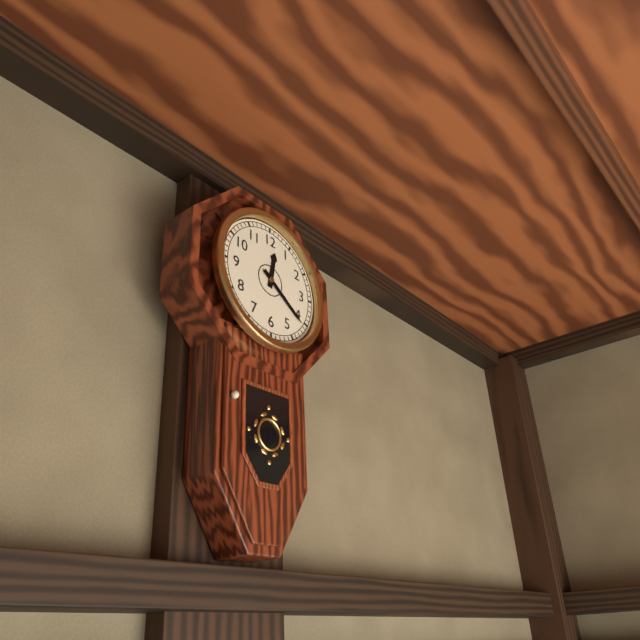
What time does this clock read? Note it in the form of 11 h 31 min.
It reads 12 h 21 min
